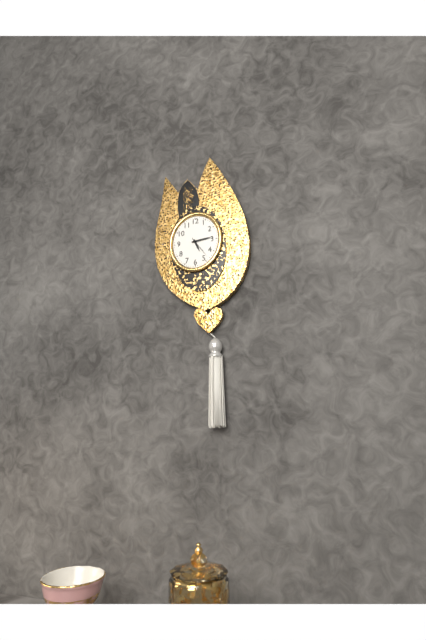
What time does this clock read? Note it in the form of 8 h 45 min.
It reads 5 h 14 min
